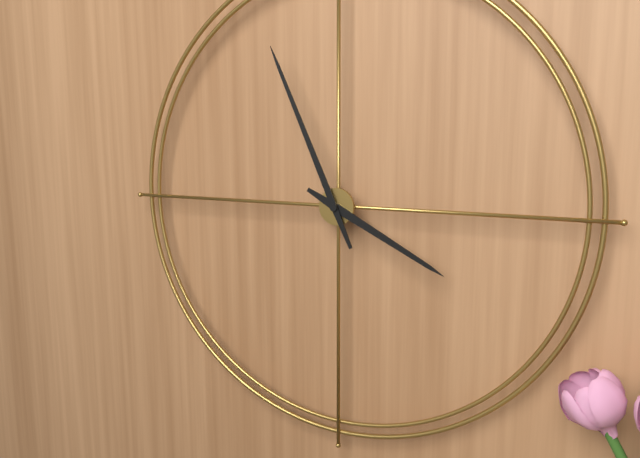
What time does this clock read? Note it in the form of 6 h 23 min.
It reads 3 h 56 min
